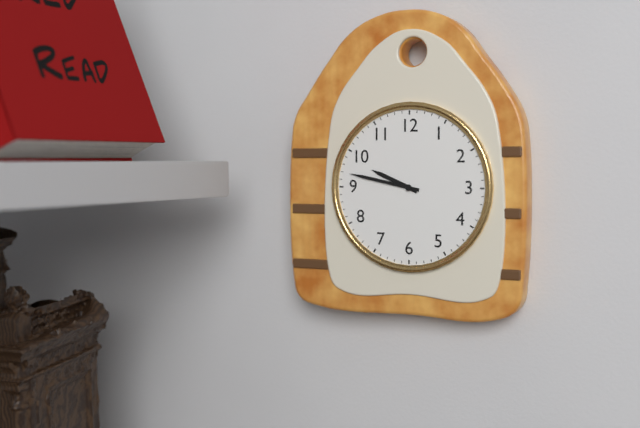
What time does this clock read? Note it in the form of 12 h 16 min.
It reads 9 h 47 min
